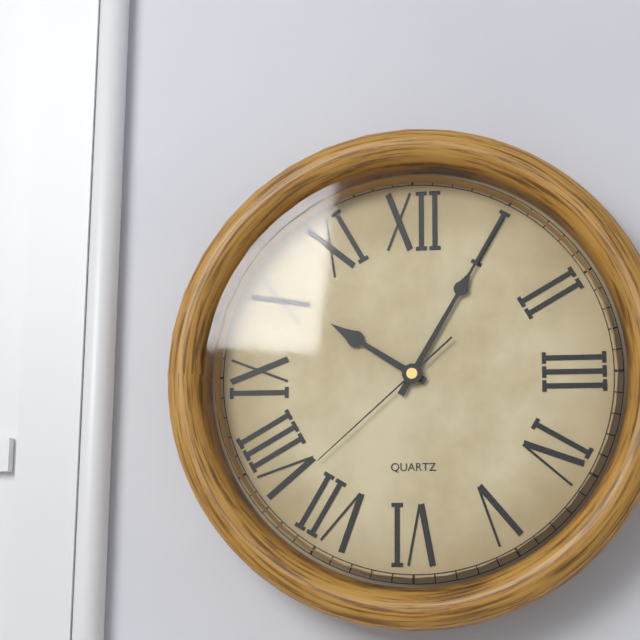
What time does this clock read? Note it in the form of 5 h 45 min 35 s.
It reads 10 h 05 min 38 s
